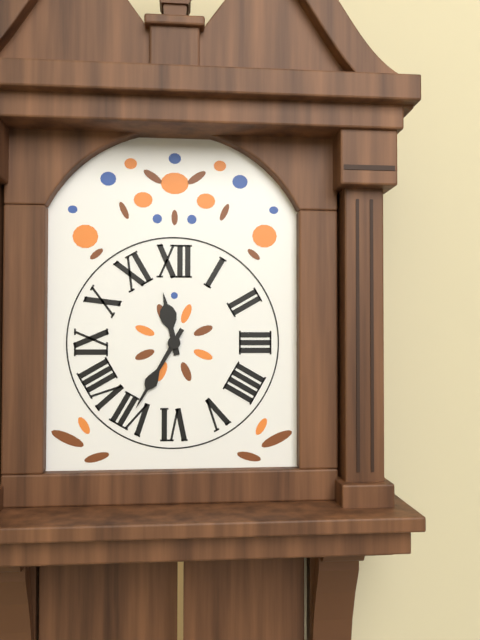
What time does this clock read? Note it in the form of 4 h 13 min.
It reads 11 h 35 min
